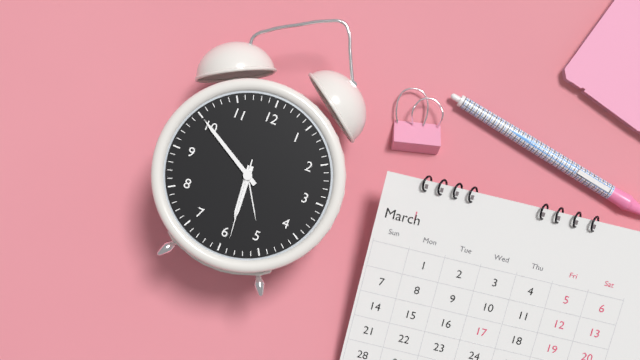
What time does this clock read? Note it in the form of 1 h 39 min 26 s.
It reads 5 h 50 min 29 s
